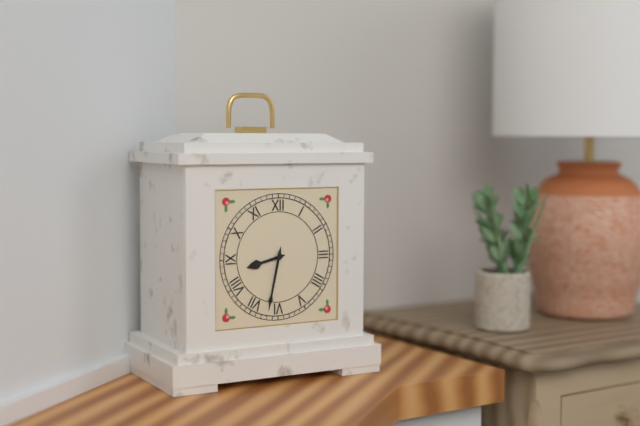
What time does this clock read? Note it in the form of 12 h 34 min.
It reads 8 h 32 min
